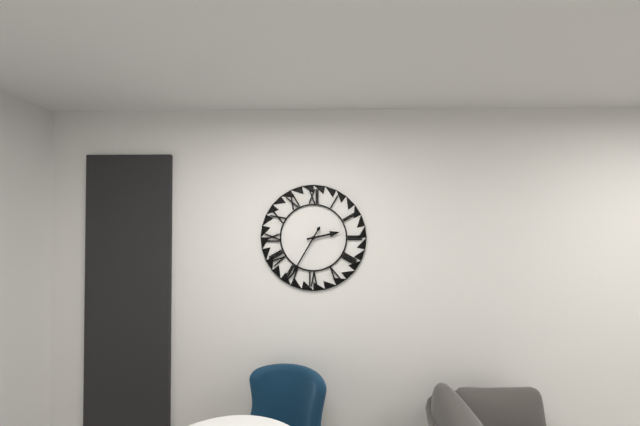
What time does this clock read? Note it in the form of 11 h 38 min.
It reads 2 h 35 min
